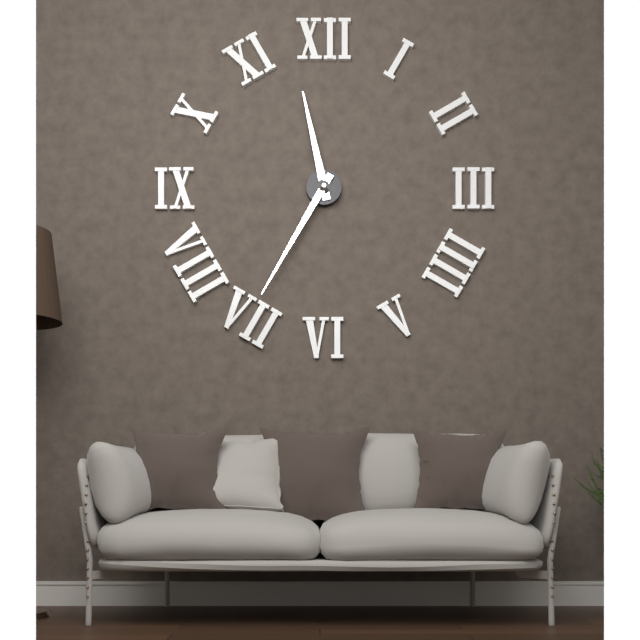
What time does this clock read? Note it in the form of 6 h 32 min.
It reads 11 h 35 min
